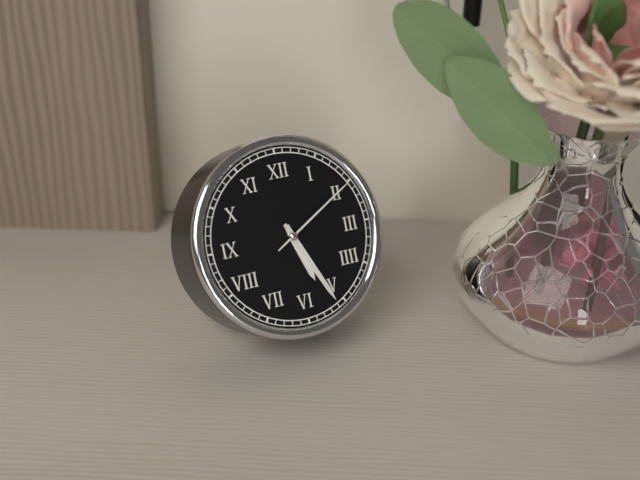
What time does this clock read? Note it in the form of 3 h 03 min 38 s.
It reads 5 h 26 min 10 s
